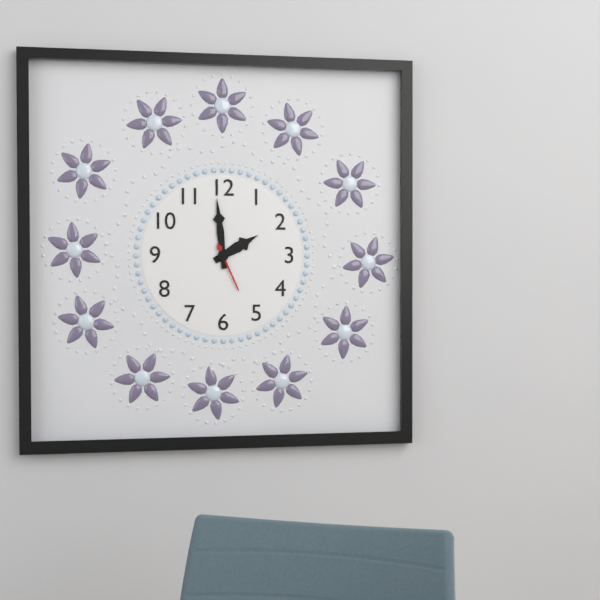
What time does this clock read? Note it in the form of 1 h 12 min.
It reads 1 h 59 min
